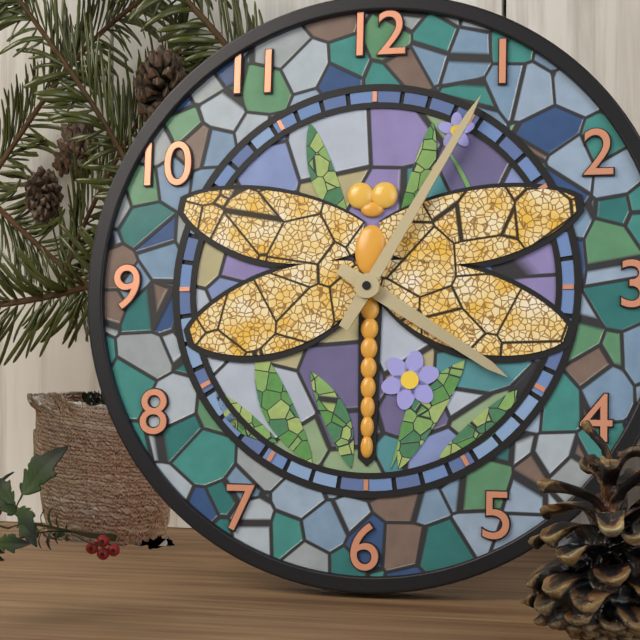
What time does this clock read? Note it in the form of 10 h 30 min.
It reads 4 h 05 min
